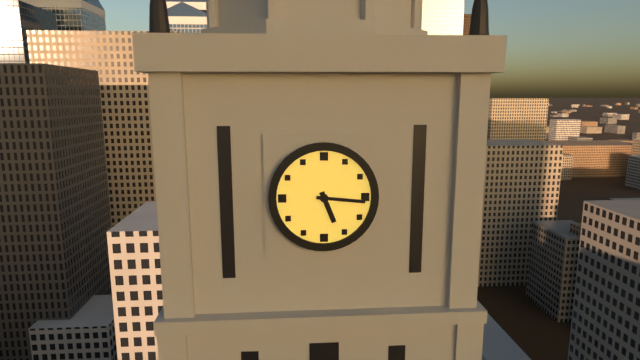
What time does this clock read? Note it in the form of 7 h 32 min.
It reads 5 h 16 min
